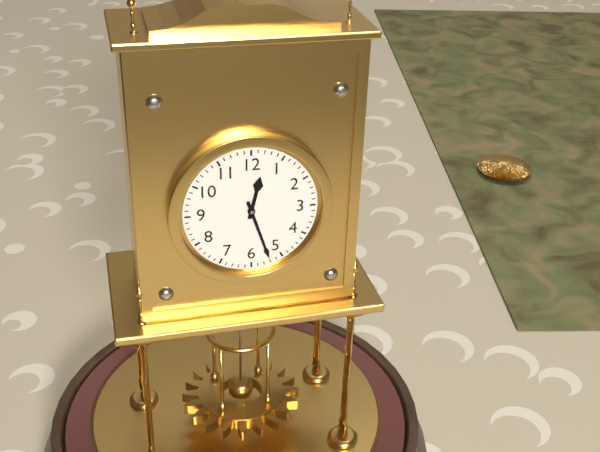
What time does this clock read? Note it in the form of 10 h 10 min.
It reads 12 h 27 min
